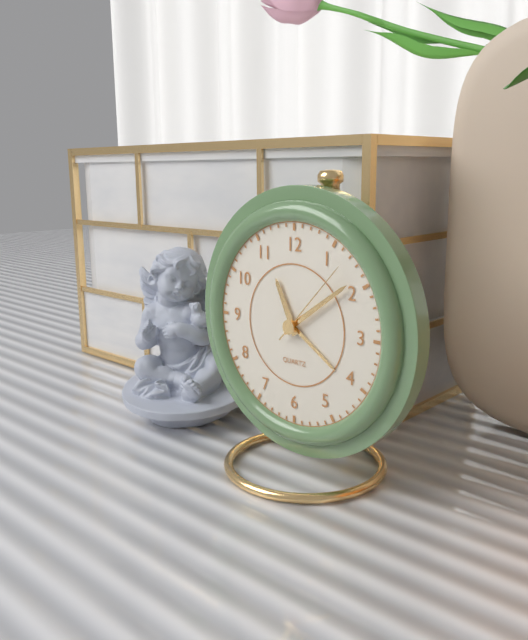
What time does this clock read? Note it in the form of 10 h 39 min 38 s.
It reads 11 h 09 min 07 s
